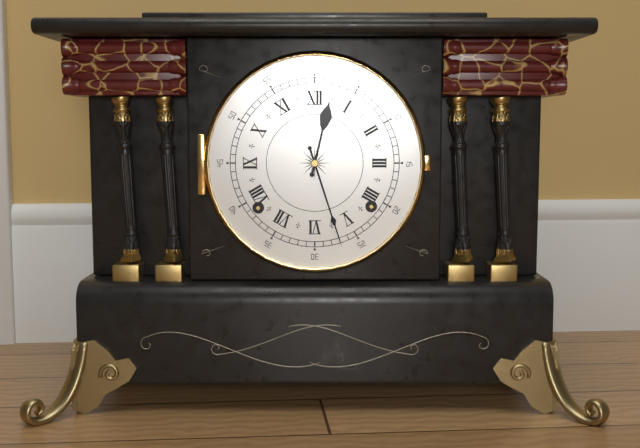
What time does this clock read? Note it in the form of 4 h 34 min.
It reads 12 h 27 min
